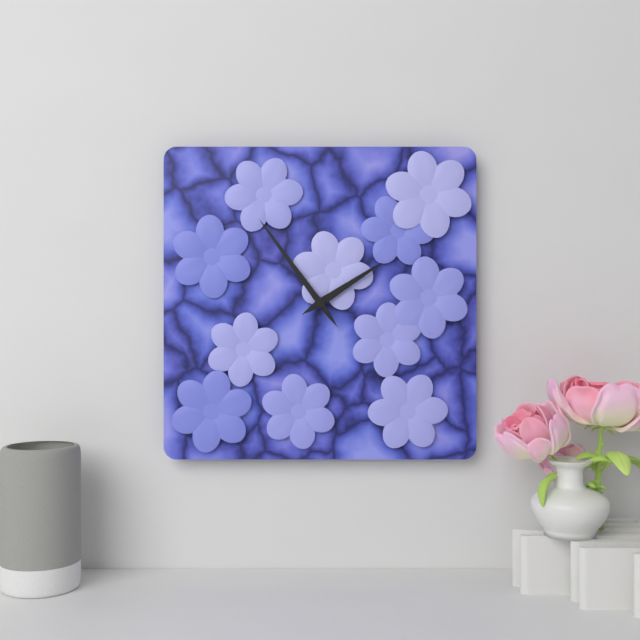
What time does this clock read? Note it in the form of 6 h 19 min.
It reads 1 h 54 min
